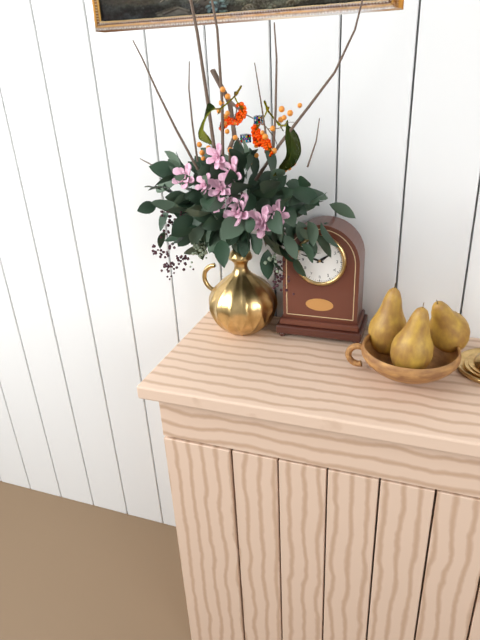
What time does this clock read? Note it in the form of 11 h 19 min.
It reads 1 h 48 min
